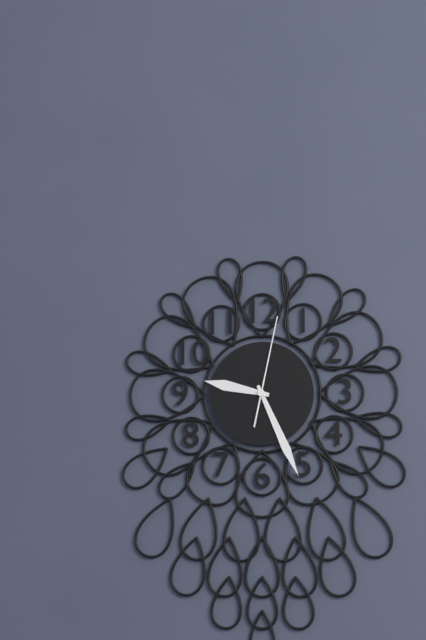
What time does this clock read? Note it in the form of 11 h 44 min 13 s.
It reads 9 h 26 min 02 s
